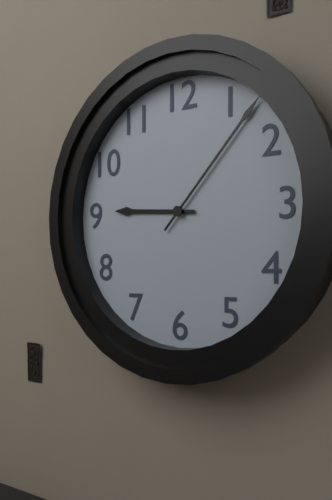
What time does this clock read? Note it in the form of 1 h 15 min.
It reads 9 h 07 min
